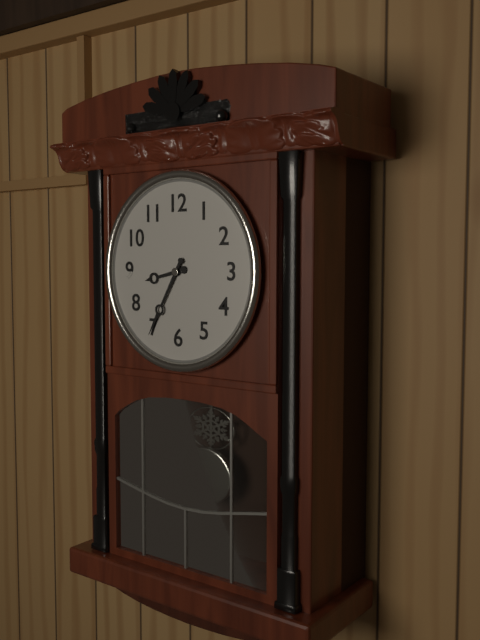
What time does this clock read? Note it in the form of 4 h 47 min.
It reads 8 h 35 min
